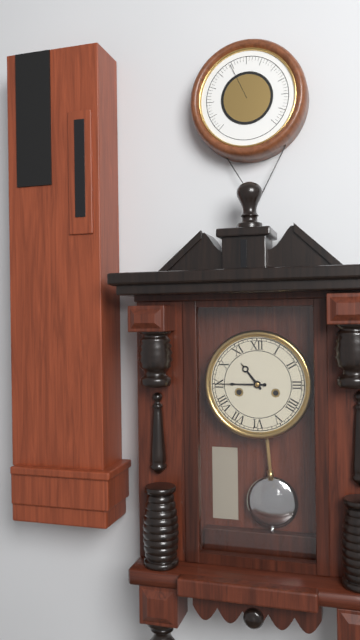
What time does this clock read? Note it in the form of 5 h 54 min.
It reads 10 h 45 min
